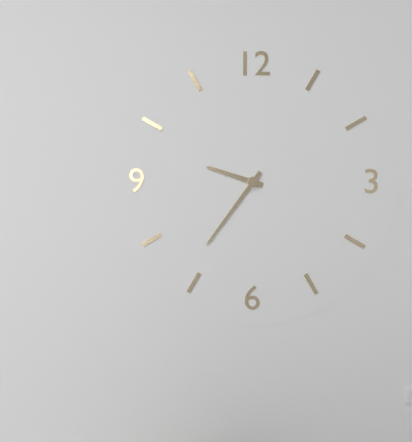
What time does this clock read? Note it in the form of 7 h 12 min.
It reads 9 h 36 min
